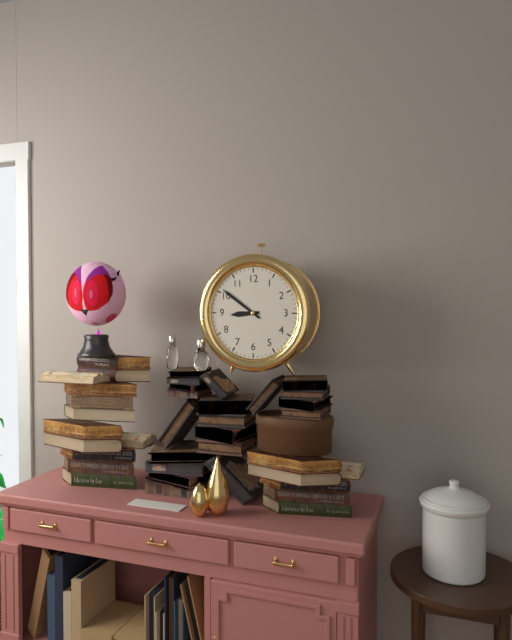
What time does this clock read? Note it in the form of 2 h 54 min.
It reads 8 h 51 min
